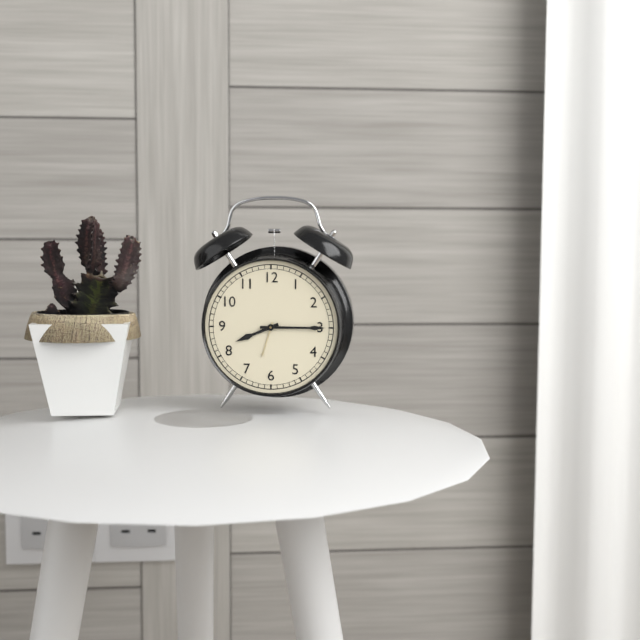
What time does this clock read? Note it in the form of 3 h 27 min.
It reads 8 h 15 min
